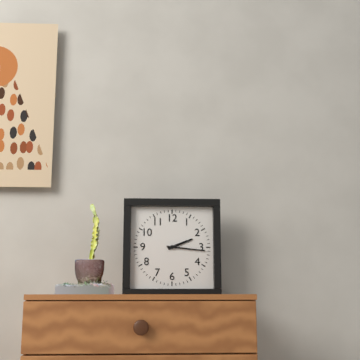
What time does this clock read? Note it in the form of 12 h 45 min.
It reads 2 h 16 min
